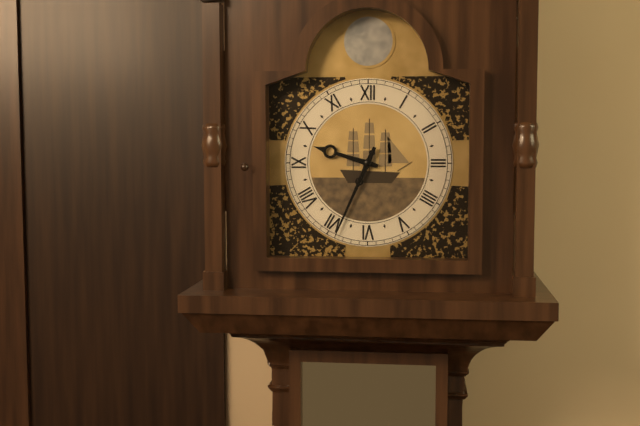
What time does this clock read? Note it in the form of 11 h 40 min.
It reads 9 h 34 min
